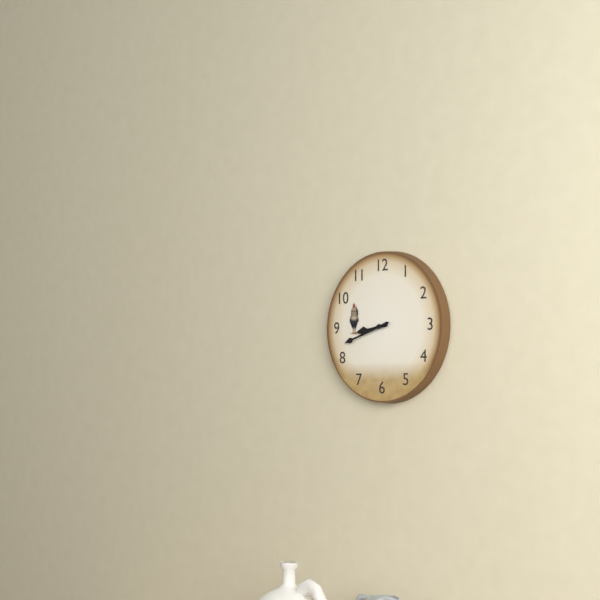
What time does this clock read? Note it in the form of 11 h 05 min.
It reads 8 h 42 min
